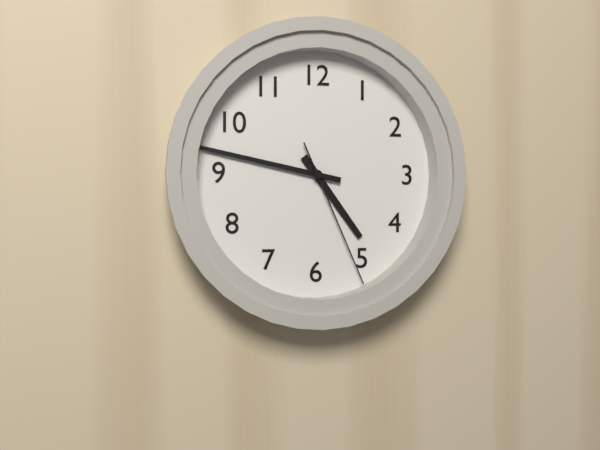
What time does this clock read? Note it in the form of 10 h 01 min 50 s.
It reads 4 h 47 min 26 s
